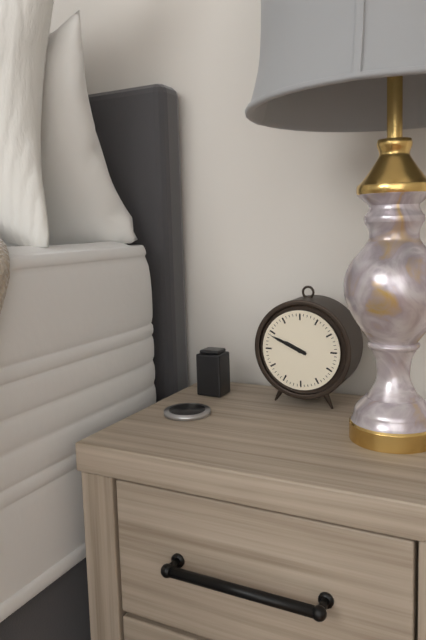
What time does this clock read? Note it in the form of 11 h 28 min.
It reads 9 h 49 min
